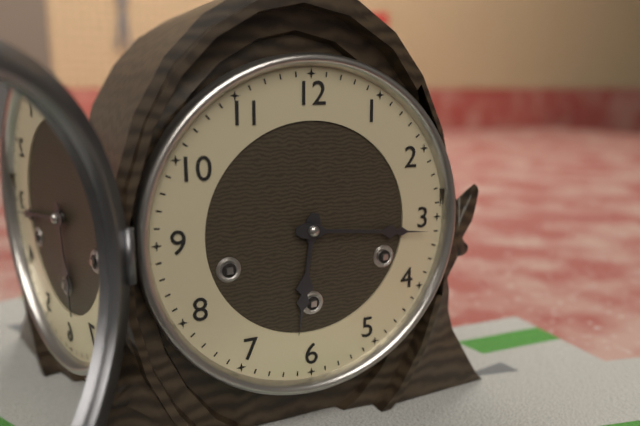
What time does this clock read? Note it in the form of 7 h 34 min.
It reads 6 h 16 min
